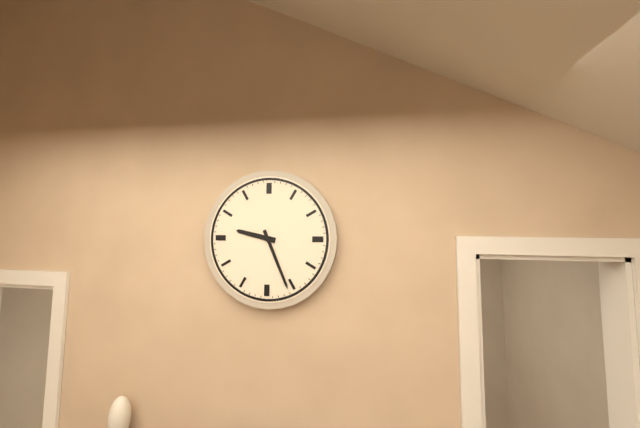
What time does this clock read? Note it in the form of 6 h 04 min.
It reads 9 h 26 min
